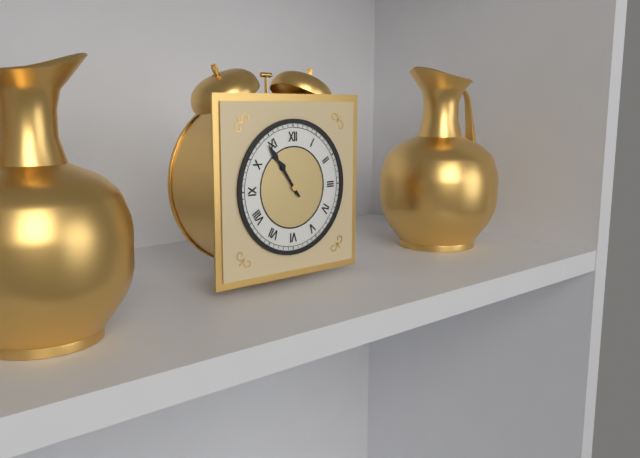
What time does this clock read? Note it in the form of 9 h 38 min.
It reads 10 h 54 min
